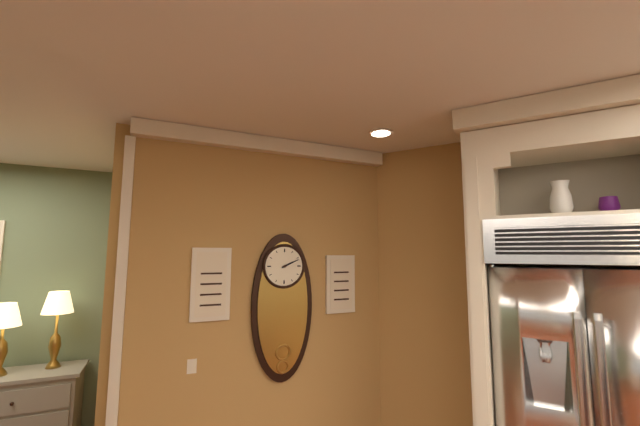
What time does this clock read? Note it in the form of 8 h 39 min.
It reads 2 h 11 min
